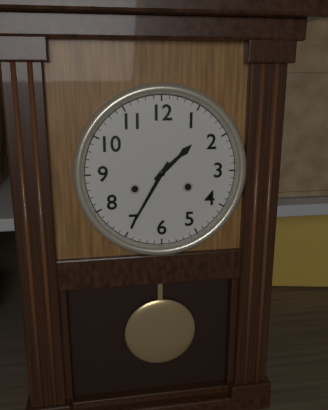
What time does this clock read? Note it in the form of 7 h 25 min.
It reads 1 h 35 min
